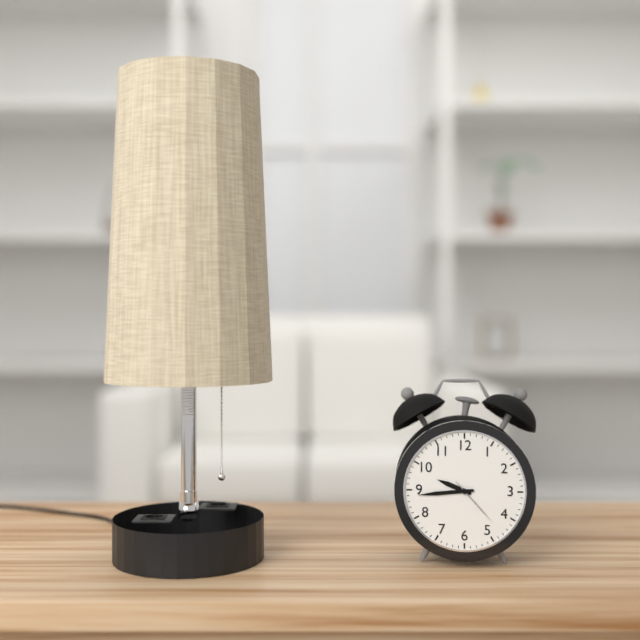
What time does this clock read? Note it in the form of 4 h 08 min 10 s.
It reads 9 h 44 min 23 s
